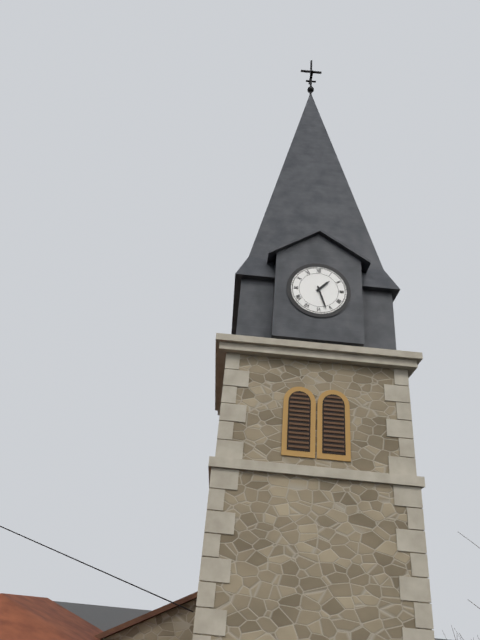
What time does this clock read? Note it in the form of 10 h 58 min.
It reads 1 h 27 min
